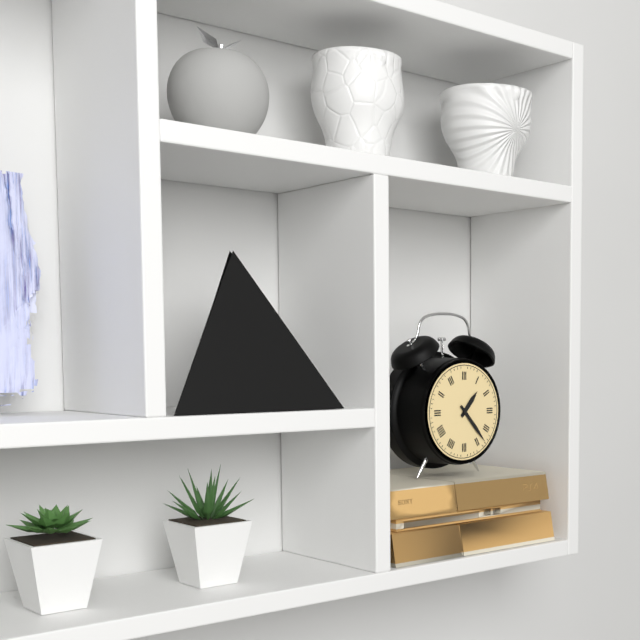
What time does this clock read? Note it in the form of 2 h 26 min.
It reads 1 h 23 min
